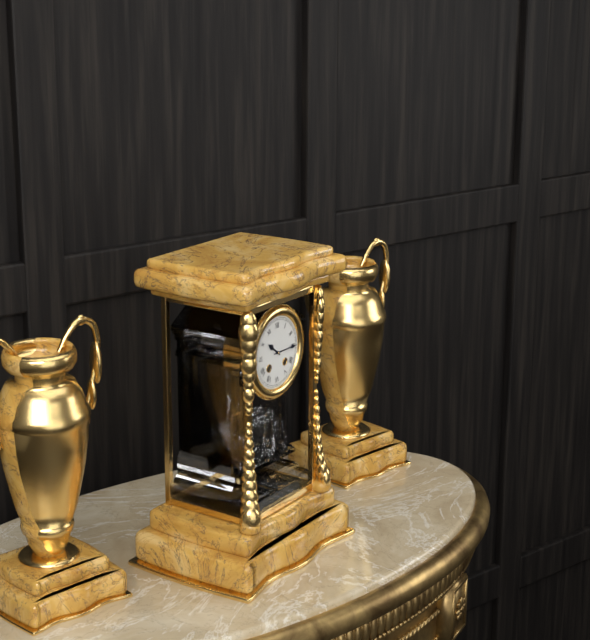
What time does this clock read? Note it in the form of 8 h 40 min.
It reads 10 h 15 min
